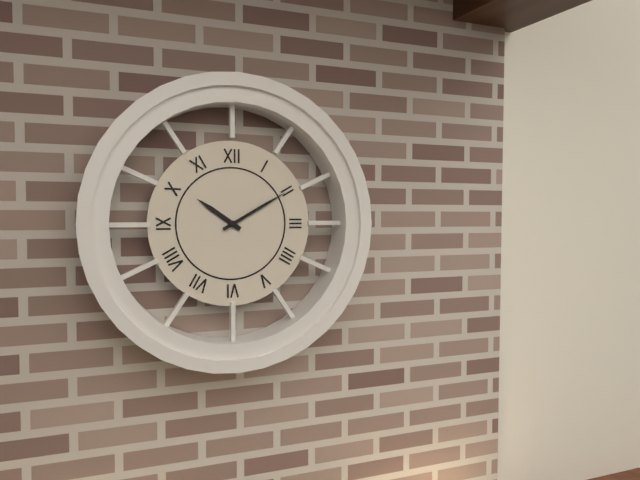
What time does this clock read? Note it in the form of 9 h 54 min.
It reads 10 h 10 min
